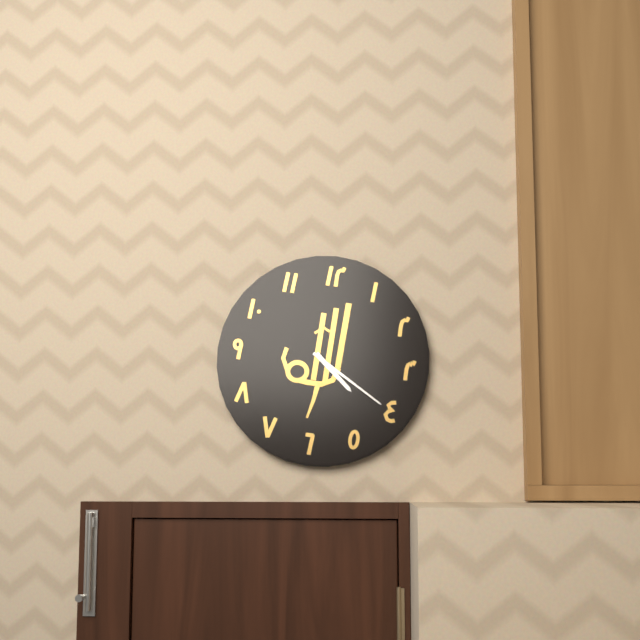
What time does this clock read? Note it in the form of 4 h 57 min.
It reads 4 h 20 min
